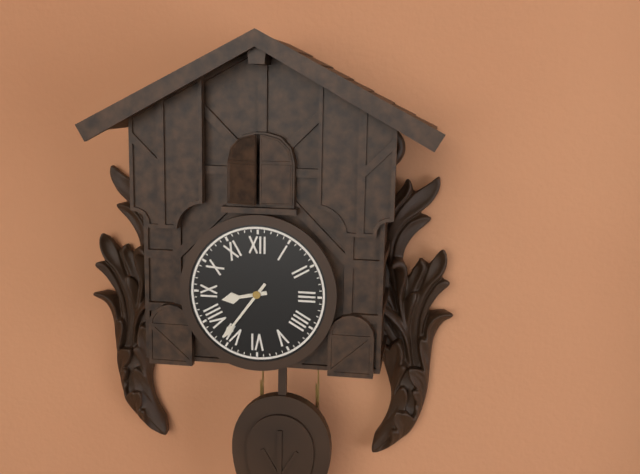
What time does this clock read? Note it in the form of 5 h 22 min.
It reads 8 h 36 min
